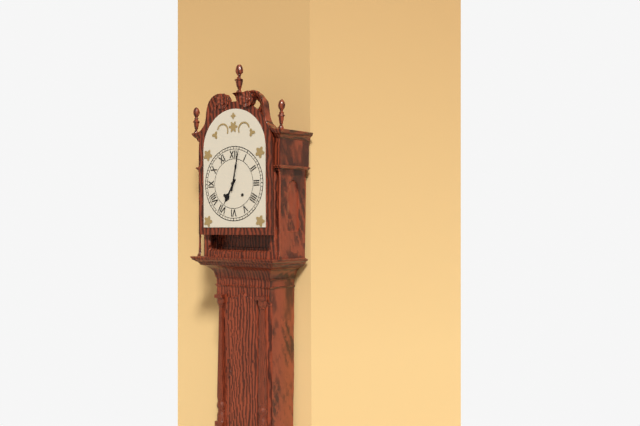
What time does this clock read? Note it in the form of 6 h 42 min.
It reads 7 h 02 min
